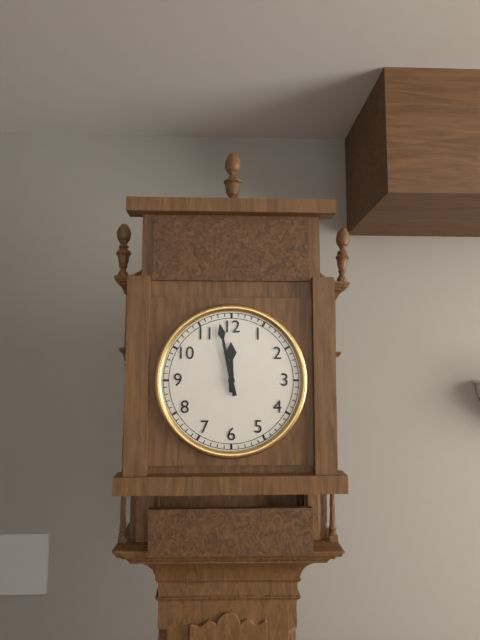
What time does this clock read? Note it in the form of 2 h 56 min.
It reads 11 h 58 min
